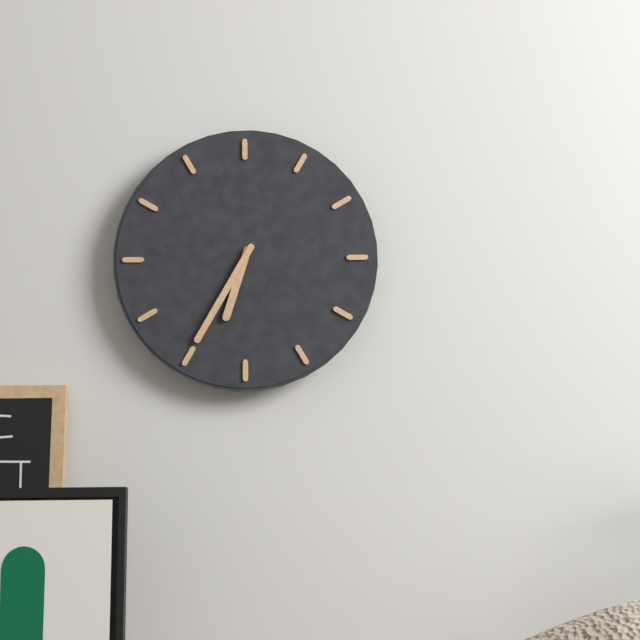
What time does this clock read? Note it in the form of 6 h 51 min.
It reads 6 h 35 min
